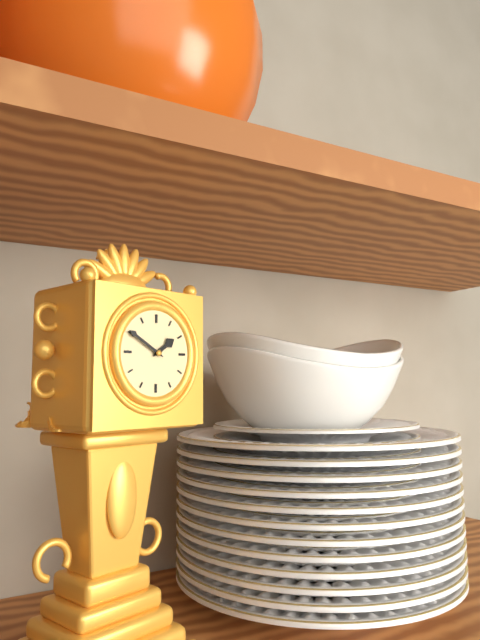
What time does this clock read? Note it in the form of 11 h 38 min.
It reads 1 h 50 min
